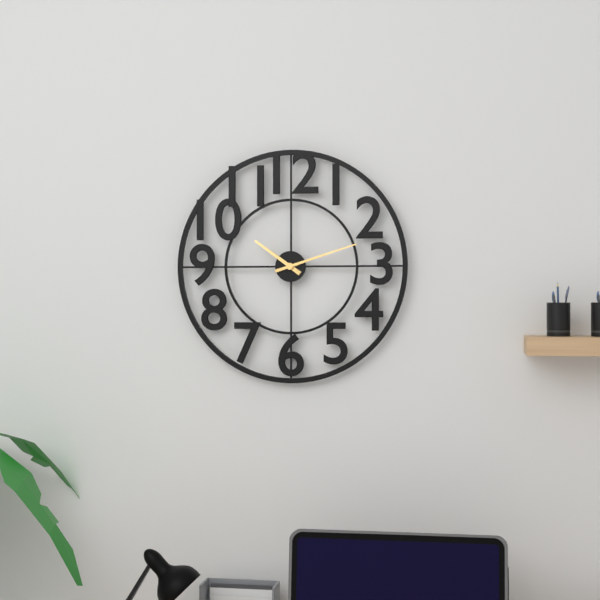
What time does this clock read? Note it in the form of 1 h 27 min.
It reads 10 h 12 min
